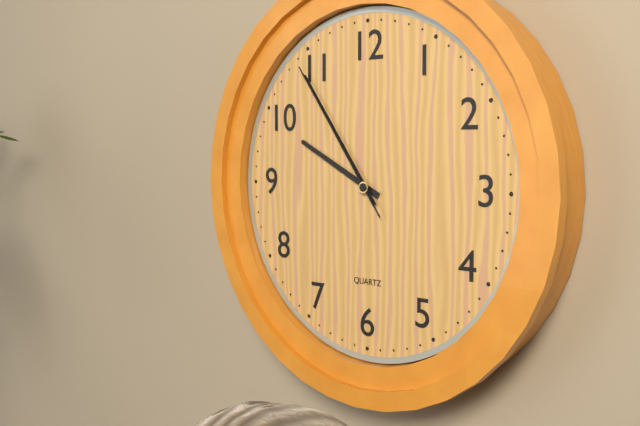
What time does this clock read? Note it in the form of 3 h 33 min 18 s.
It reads 9 h 54 min 54 s
